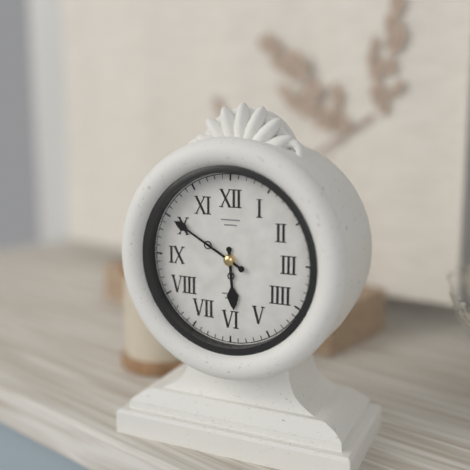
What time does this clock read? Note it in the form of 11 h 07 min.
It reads 5 h 50 min
